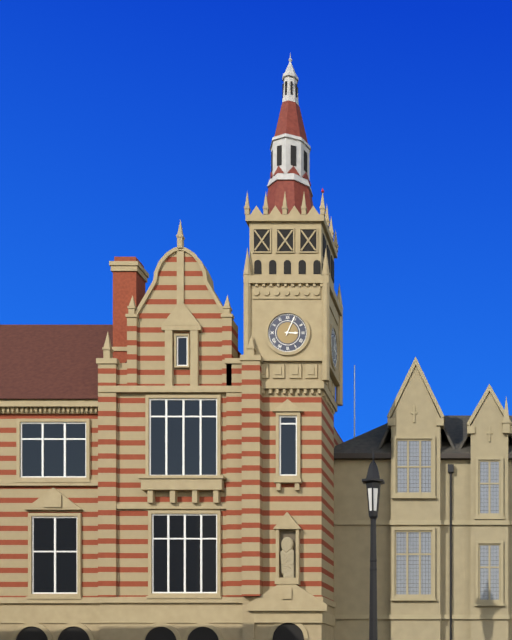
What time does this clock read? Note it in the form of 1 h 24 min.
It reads 3 h 04 min
